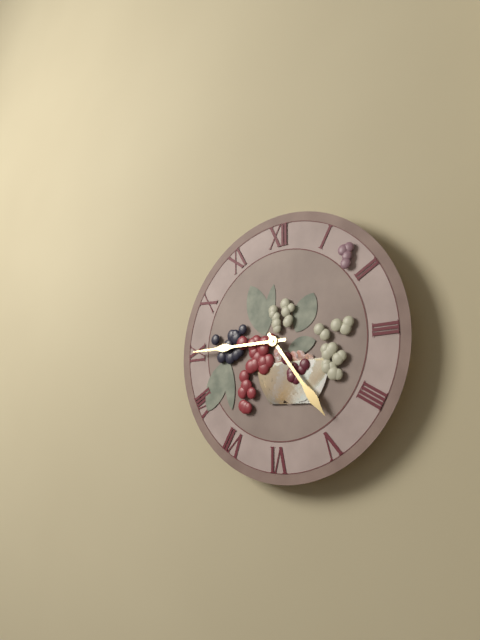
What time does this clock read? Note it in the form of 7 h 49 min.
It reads 4 h 45 min
